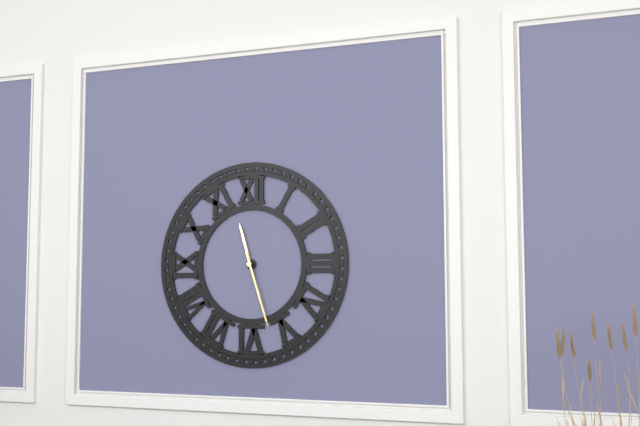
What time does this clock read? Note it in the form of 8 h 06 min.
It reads 11 h 27 min
